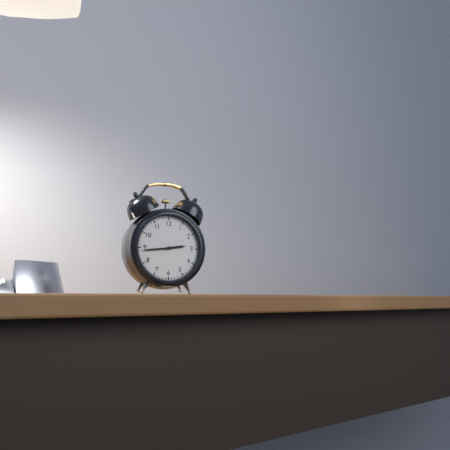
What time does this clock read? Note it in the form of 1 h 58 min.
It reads 2 h 44 min
